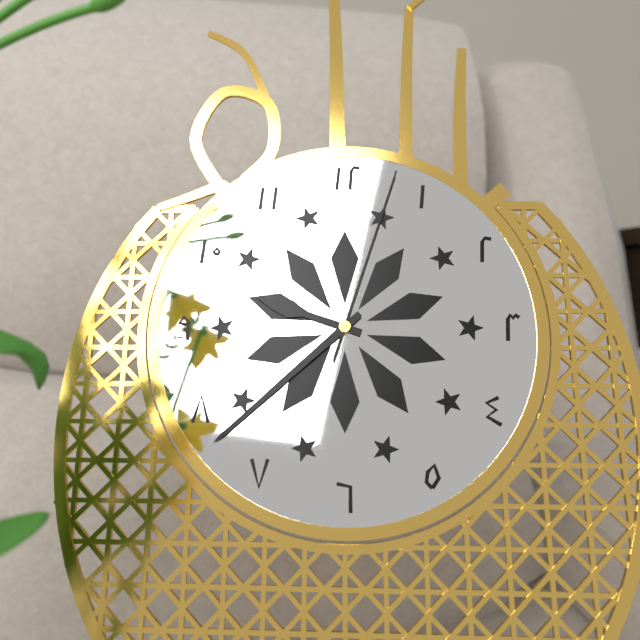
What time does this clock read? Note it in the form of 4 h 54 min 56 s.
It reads 9 h 38 min 03 s
